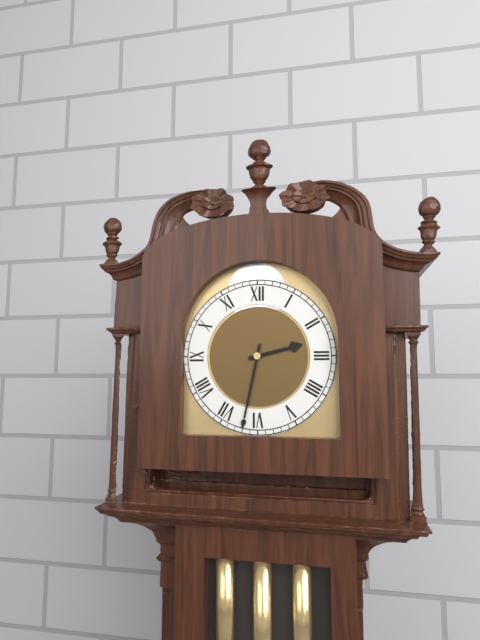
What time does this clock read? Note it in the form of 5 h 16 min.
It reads 2 h 32 min
